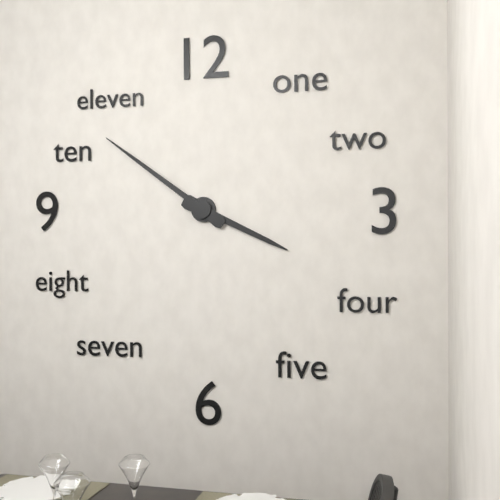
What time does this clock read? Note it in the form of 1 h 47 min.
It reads 3 h 51 min
